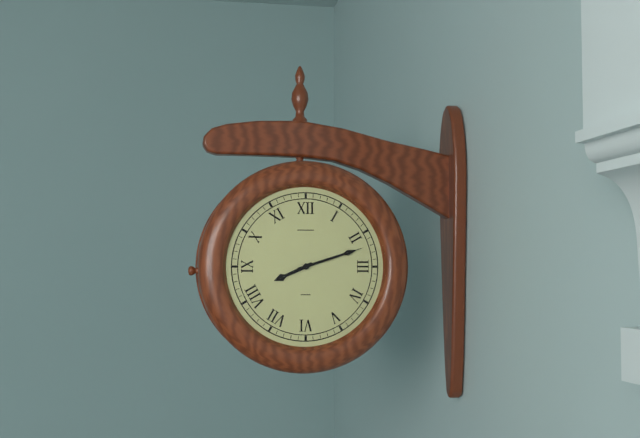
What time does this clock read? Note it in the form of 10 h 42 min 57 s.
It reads 8 h 12 min 12 s
